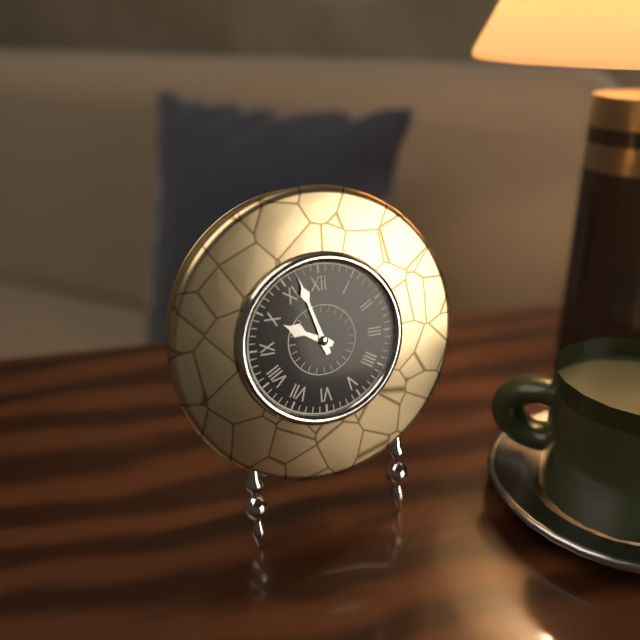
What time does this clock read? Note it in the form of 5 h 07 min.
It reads 9 h 57 min
